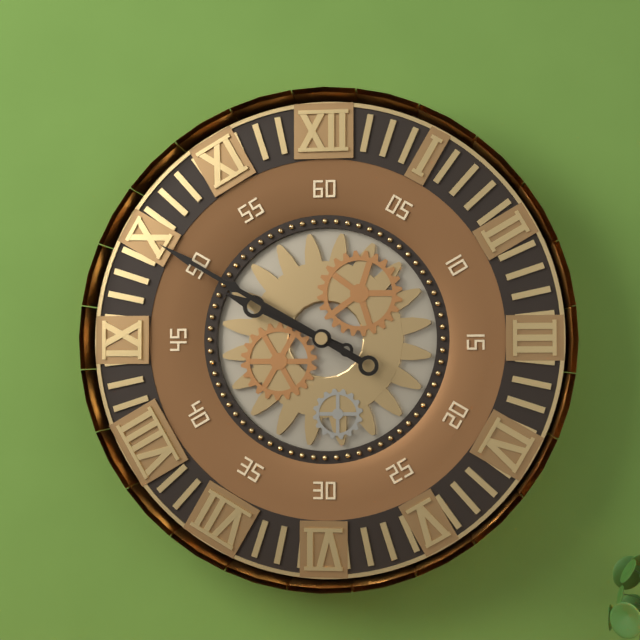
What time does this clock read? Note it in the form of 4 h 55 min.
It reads 9 h 50 min
